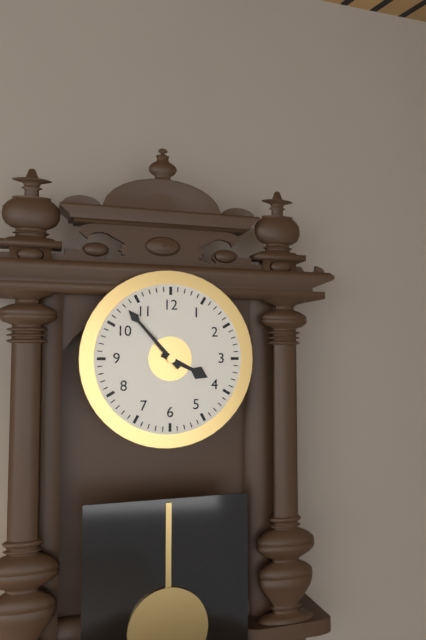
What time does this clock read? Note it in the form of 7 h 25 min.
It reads 3 h 53 min
